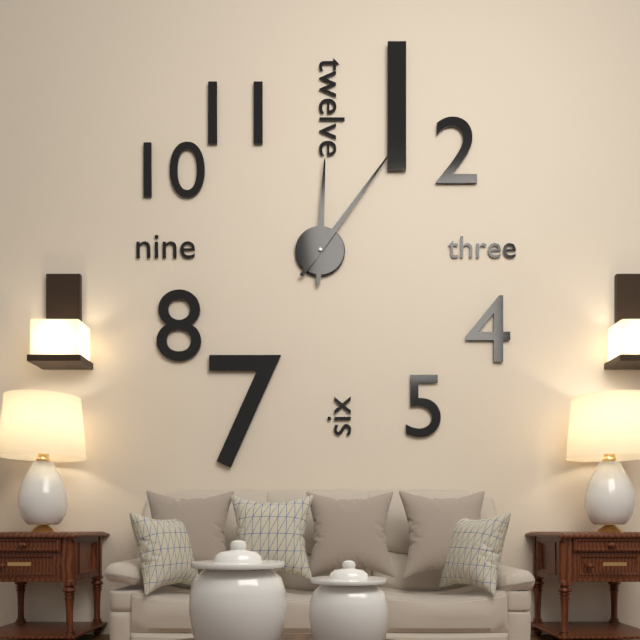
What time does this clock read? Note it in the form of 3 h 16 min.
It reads 12 h 06 min
